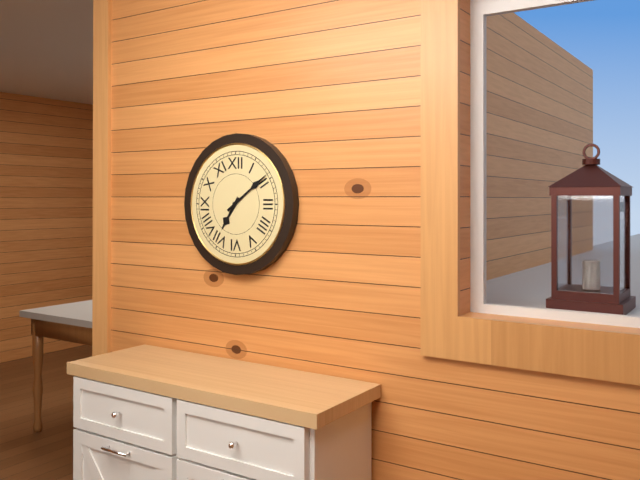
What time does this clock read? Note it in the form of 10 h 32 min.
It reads 7 h 09 min
